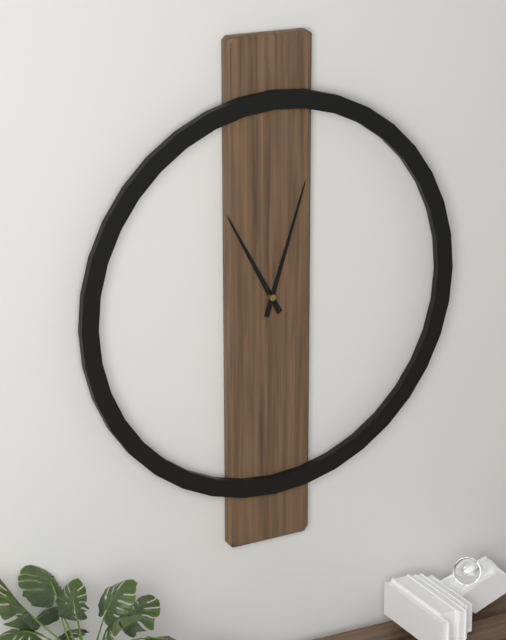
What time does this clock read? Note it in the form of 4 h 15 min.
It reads 11 h 03 min
